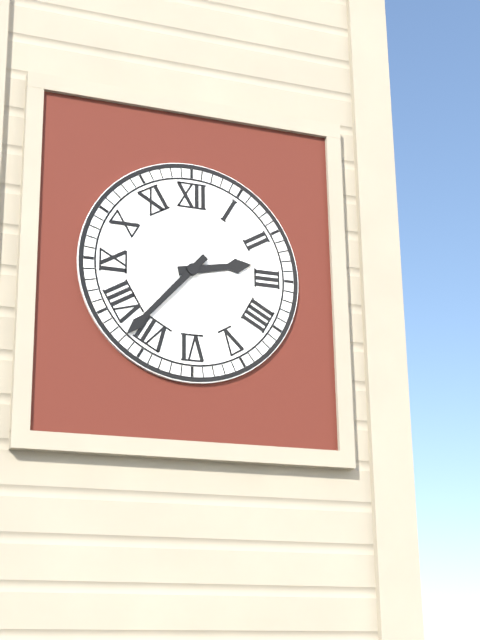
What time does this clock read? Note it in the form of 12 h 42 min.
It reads 2 h 37 min
